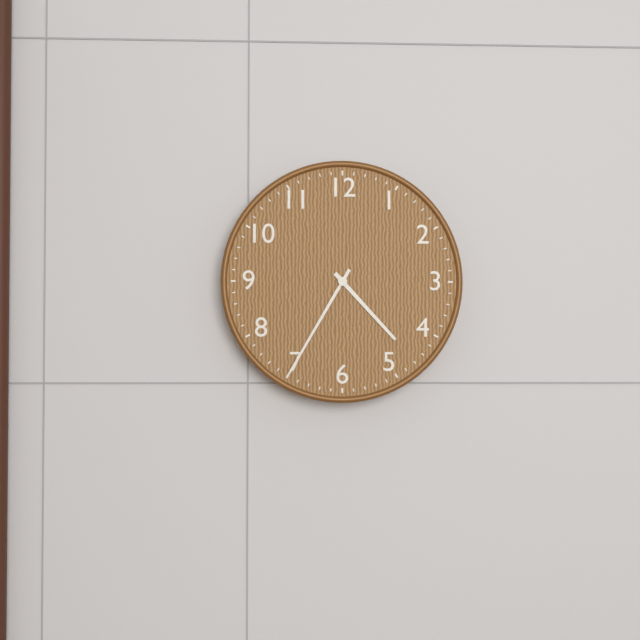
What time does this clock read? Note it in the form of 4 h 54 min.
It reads 4 h 35 min
